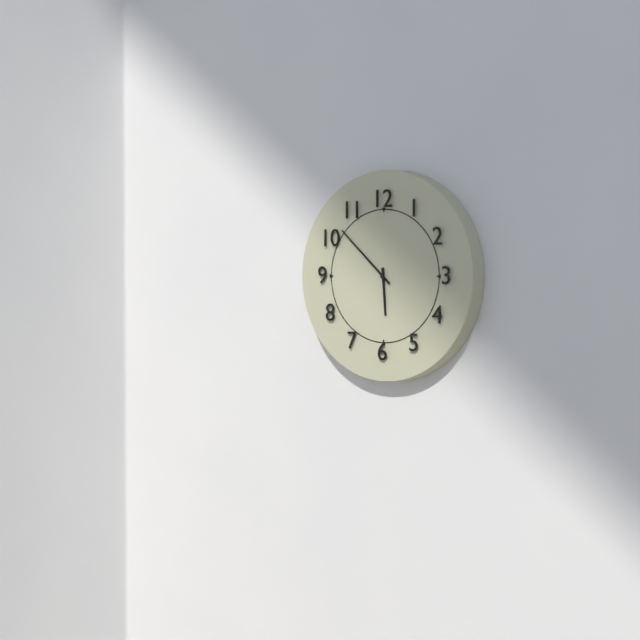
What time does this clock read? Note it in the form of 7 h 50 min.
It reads 5 h 52 min
